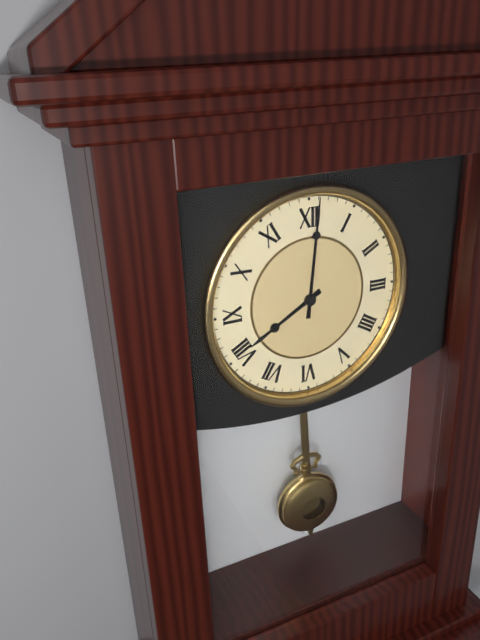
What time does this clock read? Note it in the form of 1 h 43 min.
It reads 8 h 01 min
